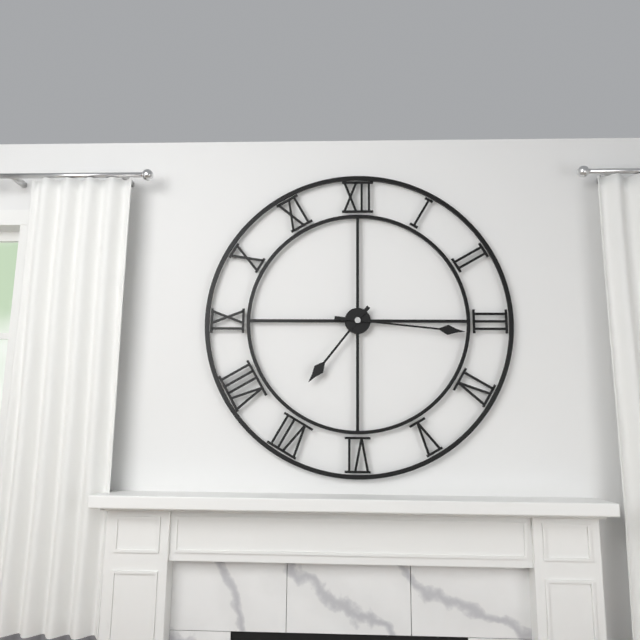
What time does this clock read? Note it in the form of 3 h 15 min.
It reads 7 h 16 min
